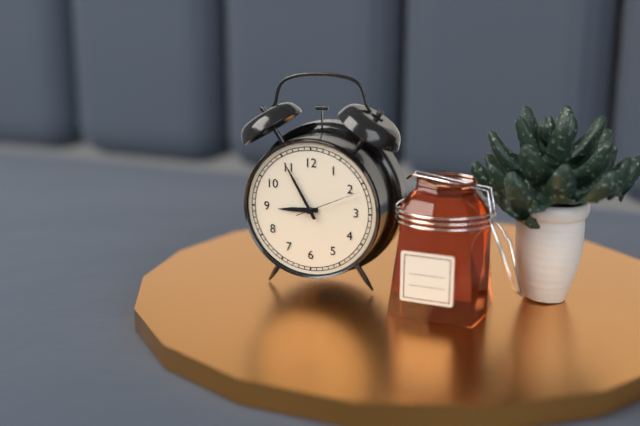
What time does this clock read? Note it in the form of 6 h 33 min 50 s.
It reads 8 h 55 min 11 s
